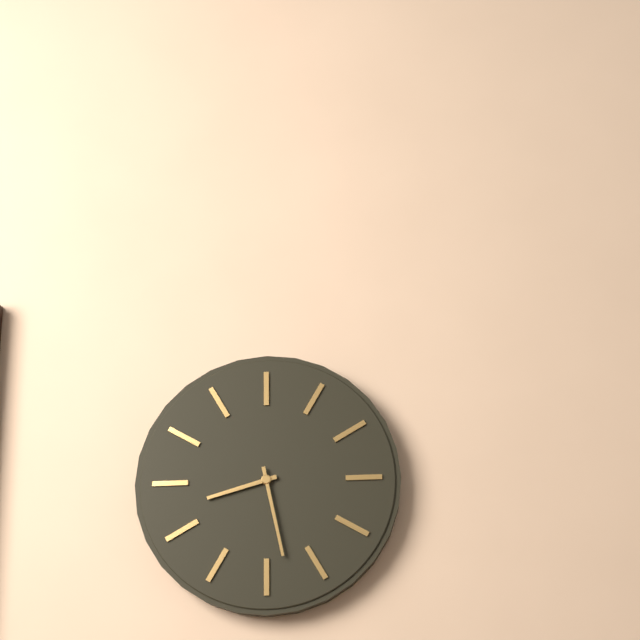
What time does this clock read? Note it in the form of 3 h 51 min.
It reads 8 h 28 min
